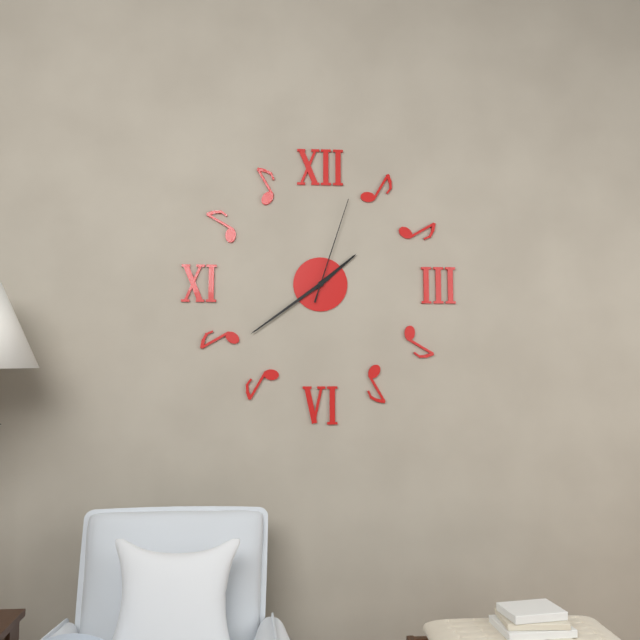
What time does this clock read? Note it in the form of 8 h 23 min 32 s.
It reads 1 h 39 min 03 s
